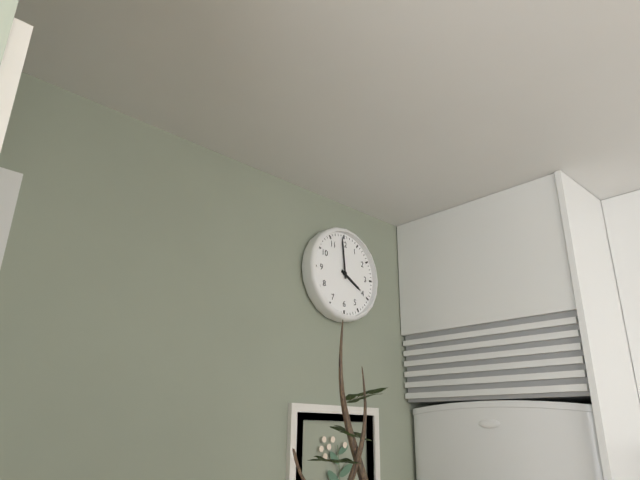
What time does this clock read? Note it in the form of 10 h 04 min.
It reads 3 h 59 min
